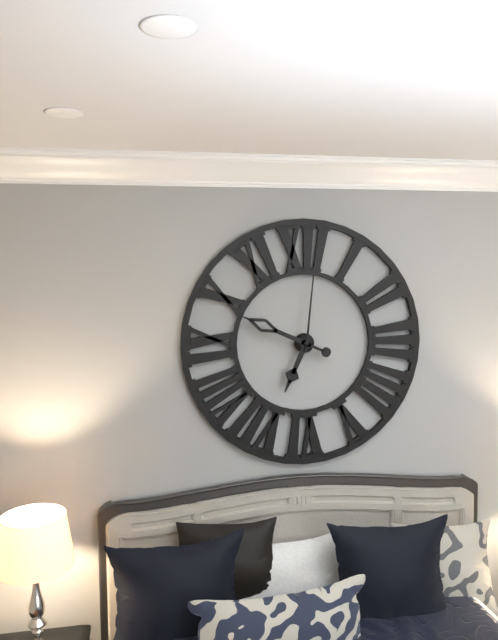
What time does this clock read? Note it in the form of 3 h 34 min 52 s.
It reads 6 h 49 min 01 s
